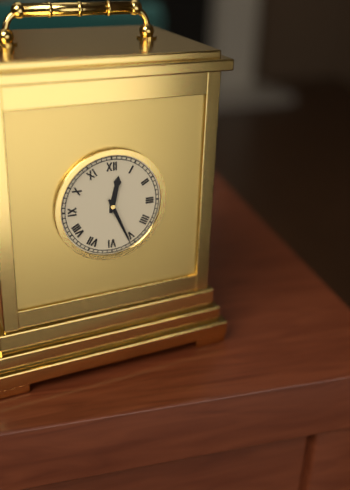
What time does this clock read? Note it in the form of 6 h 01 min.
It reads 12 h 26 min
